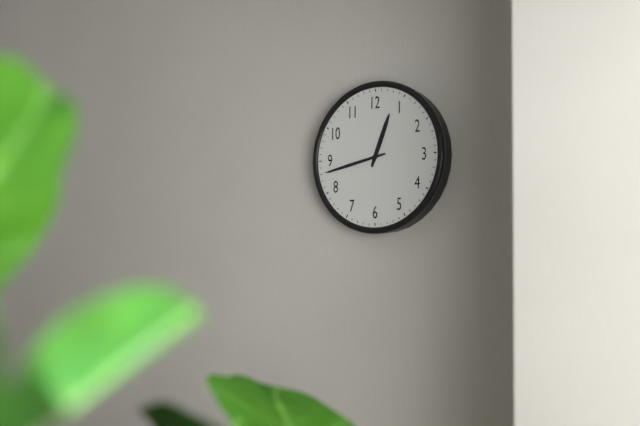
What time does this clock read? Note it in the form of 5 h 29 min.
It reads 12 h 43 min
